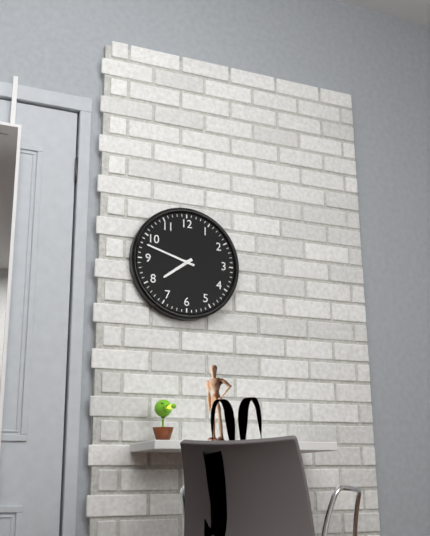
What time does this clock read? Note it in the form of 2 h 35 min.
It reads 7 h 48 min
